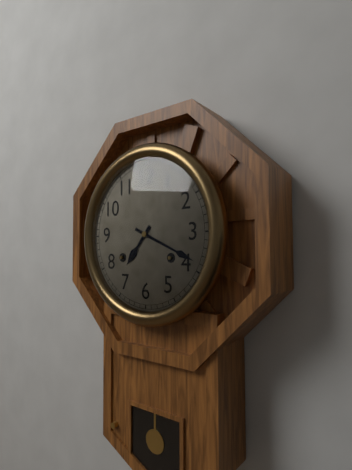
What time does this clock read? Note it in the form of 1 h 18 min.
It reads 7 h 19 min
